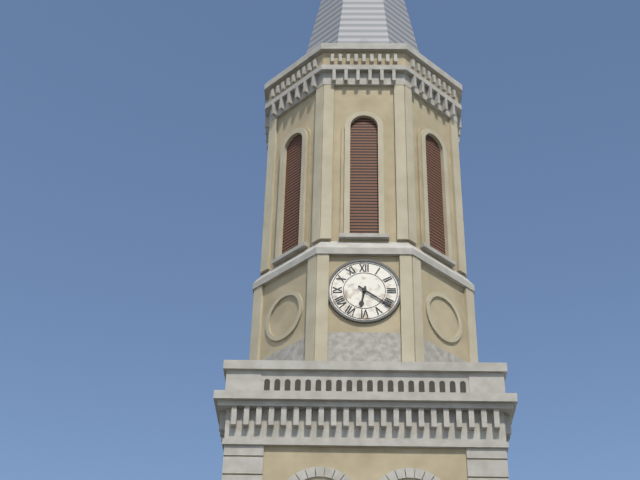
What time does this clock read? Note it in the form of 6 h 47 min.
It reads 6 h 21 min
